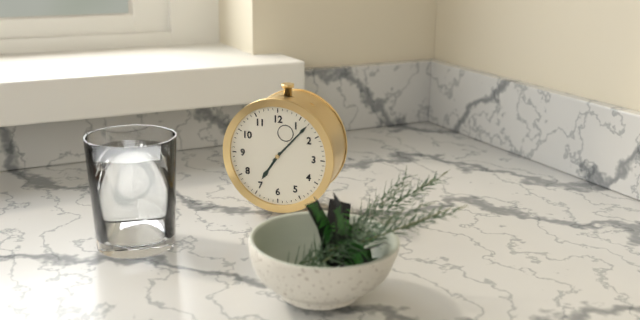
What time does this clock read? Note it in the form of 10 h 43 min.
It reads 7 h 07 min
